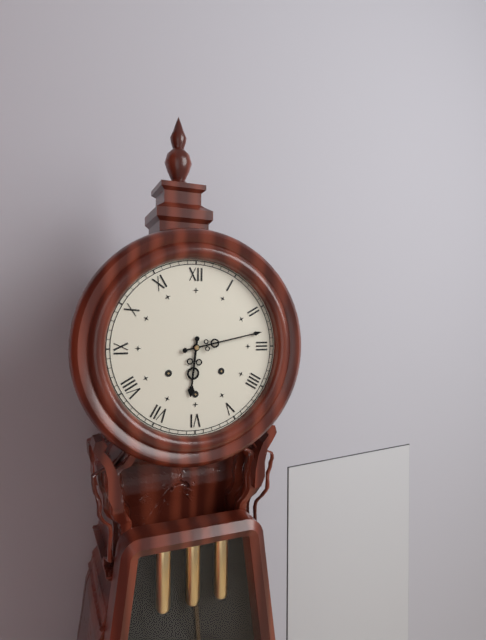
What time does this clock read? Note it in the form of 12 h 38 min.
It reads 6 h 13 min
